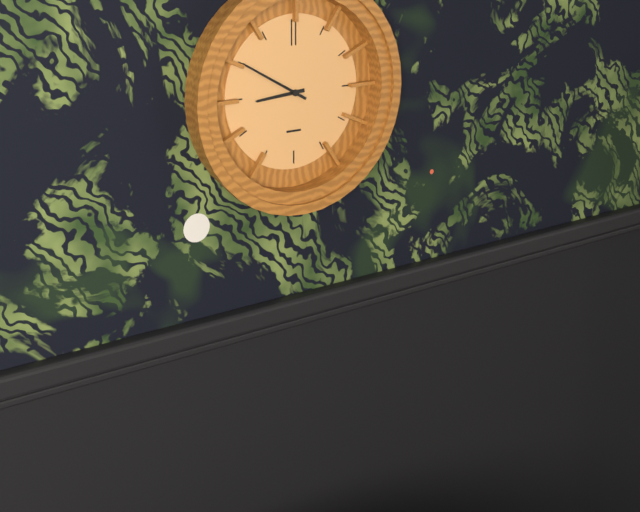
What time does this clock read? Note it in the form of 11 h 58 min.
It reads 8 h 50 min
